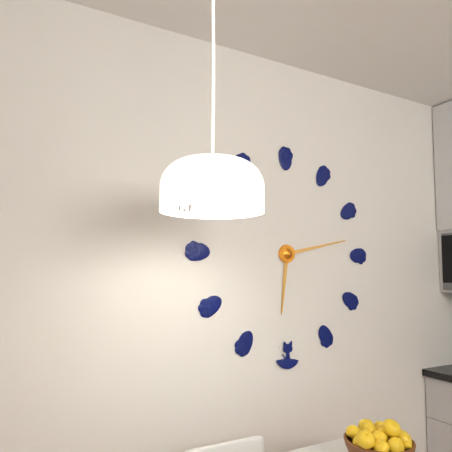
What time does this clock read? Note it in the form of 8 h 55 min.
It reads 6 h 13 min
